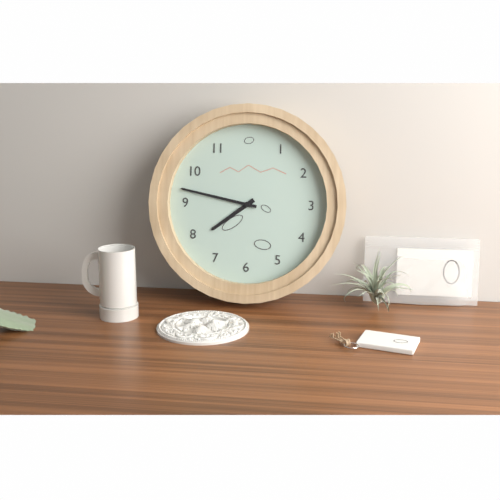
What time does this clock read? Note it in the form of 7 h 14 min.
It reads 7 h 47 min
